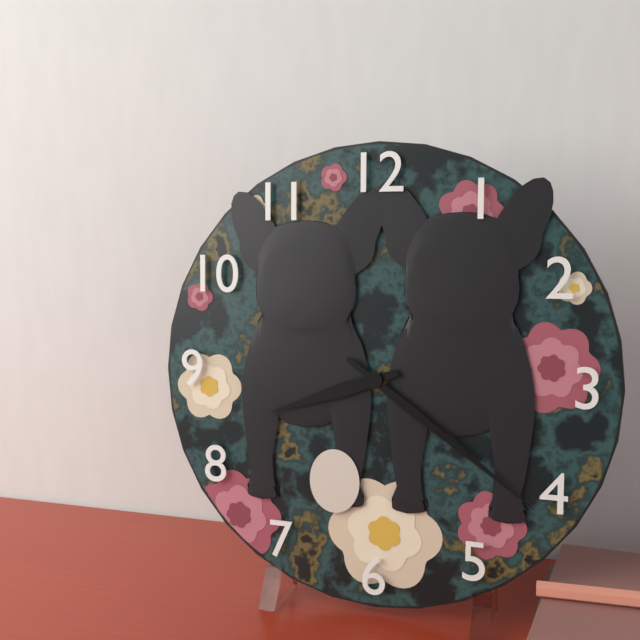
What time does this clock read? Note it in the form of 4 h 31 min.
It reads 8 h 21 min
